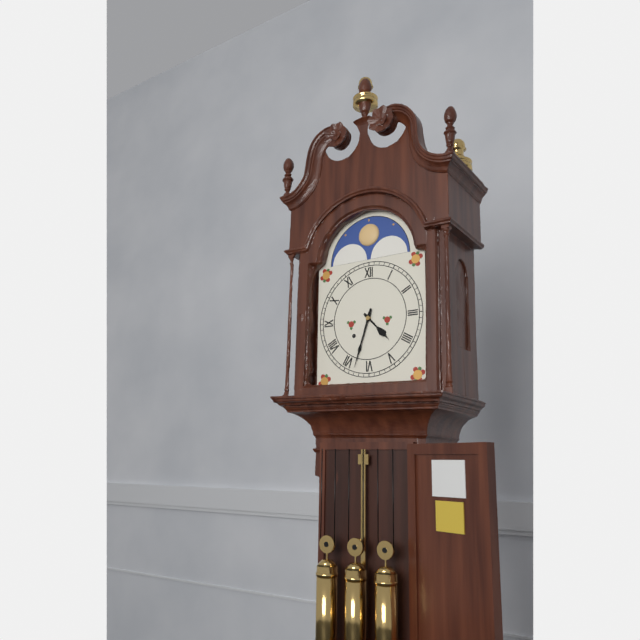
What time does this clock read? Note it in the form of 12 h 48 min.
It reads 4 h 33 min
